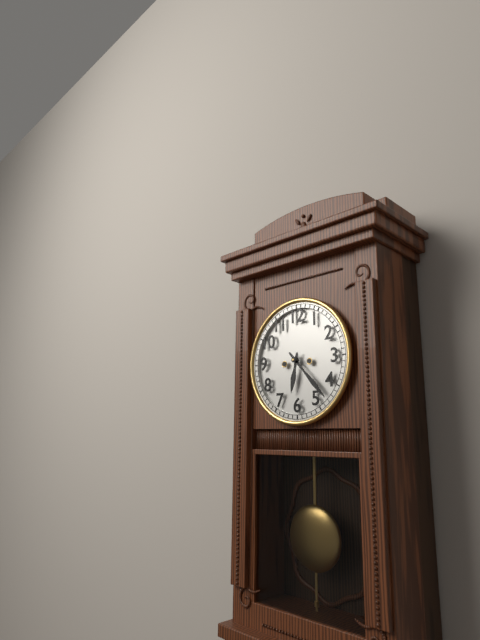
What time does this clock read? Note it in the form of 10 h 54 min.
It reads 6 h 23 min
